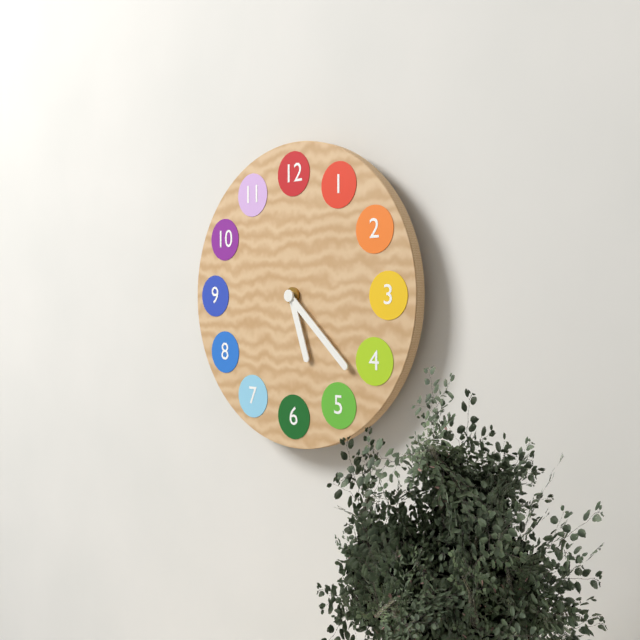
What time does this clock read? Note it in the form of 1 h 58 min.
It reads 5 h 22 min
